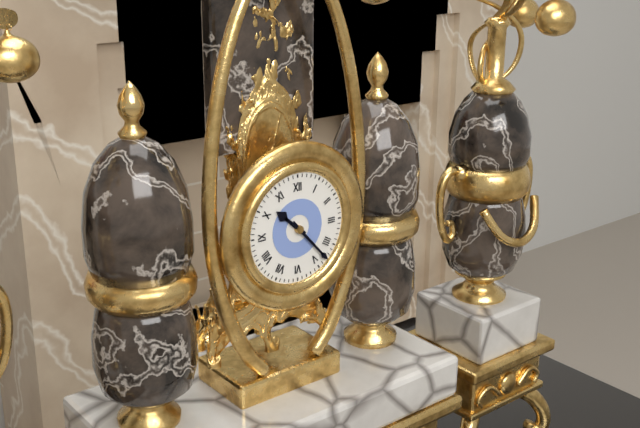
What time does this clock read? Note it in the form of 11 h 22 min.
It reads 10 h 23 min
